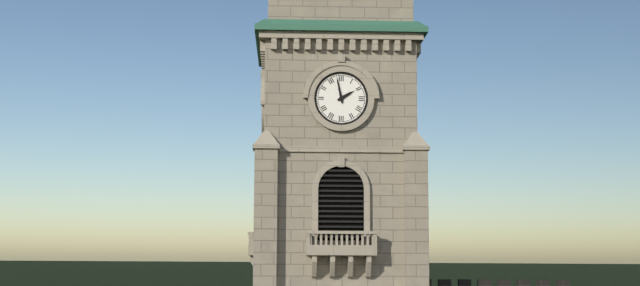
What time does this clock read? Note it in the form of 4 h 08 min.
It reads 1 h 58 min
